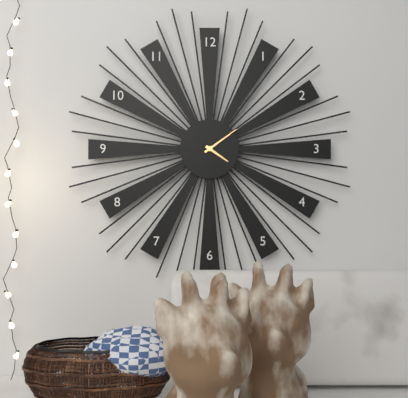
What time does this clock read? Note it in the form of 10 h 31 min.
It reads 4 h 09 min
